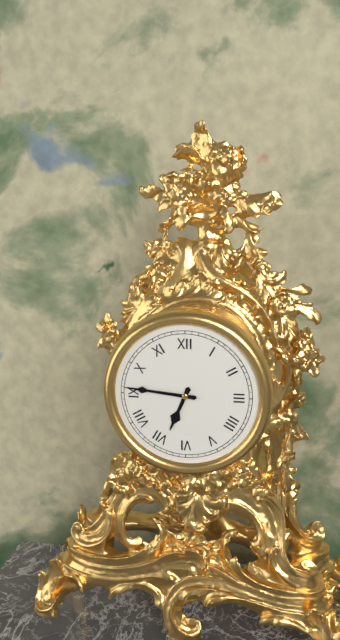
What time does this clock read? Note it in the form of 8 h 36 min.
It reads 6 h 46 min
